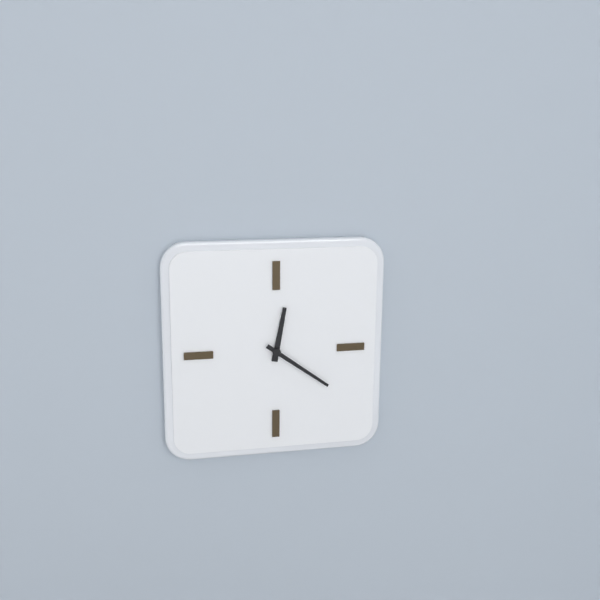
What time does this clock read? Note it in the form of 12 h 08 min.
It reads 12 h 21 min
